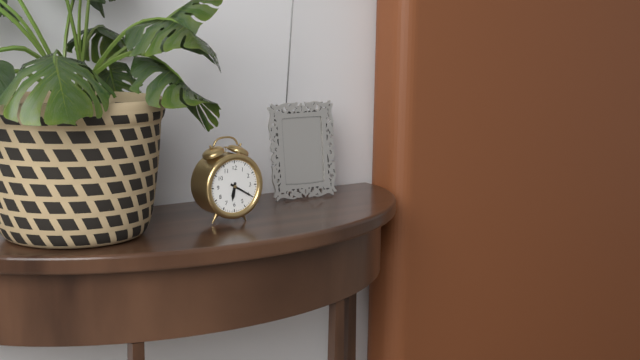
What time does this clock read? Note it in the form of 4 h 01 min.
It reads 6 h 20 min
